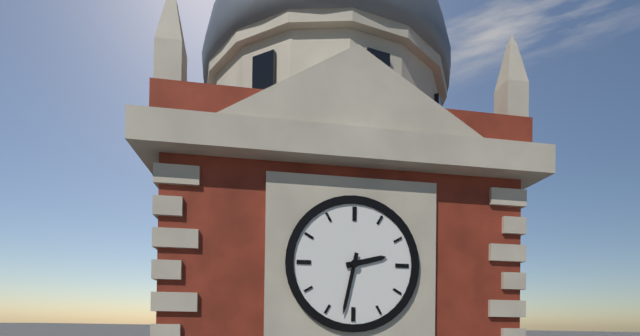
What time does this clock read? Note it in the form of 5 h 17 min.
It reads 2 h 32 min
